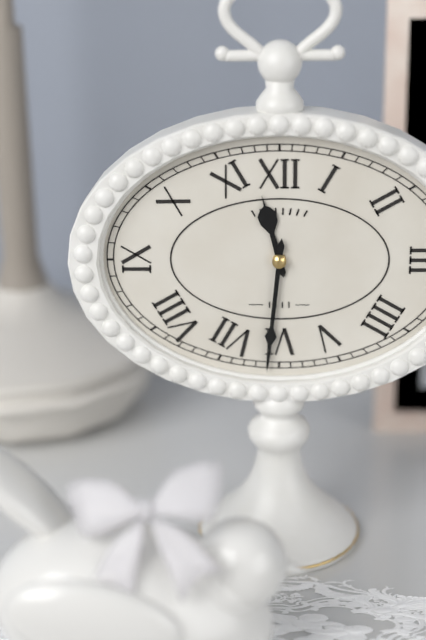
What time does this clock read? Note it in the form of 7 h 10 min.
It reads 11 h 31 min
